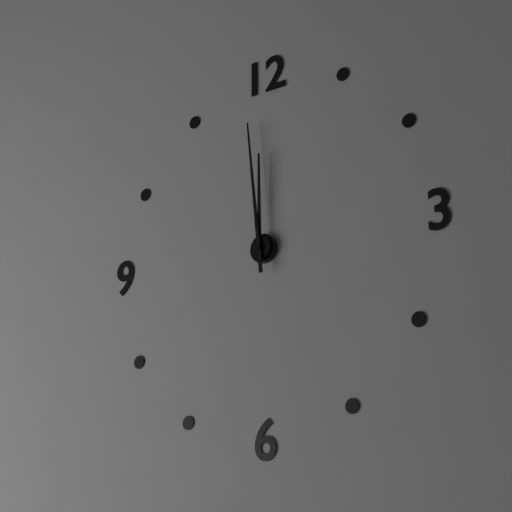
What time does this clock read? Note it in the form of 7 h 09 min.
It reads 11 h 59 min
